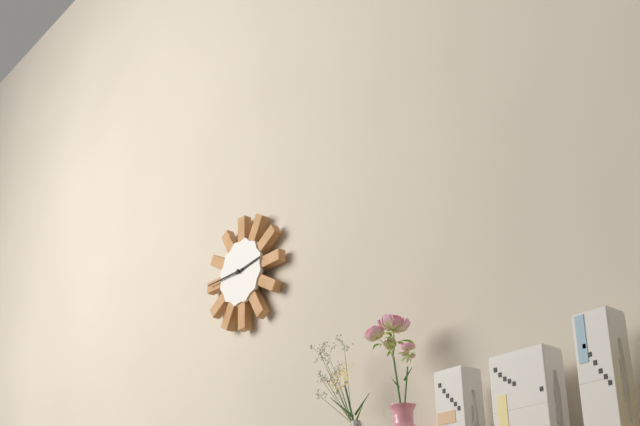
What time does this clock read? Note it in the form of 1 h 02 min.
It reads 2 h 45 min
